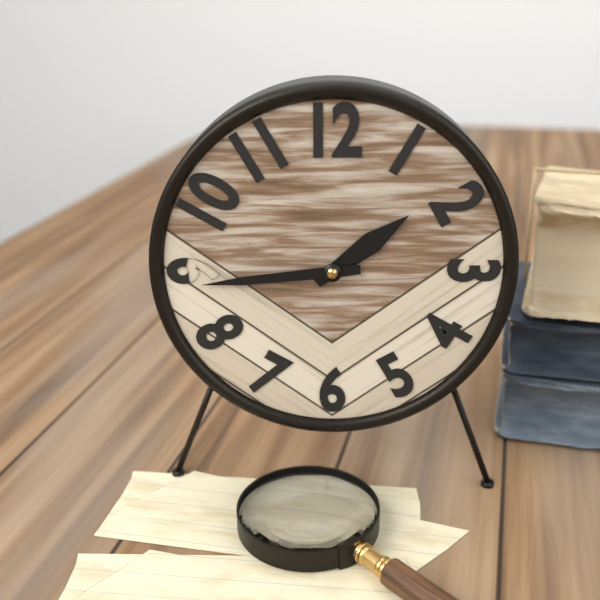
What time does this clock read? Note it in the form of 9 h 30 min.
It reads 1 h 44 min
